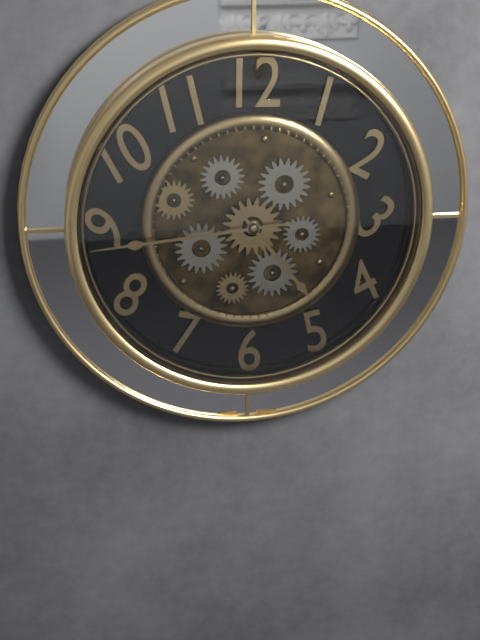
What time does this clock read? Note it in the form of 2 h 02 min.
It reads 4 h 44 min
